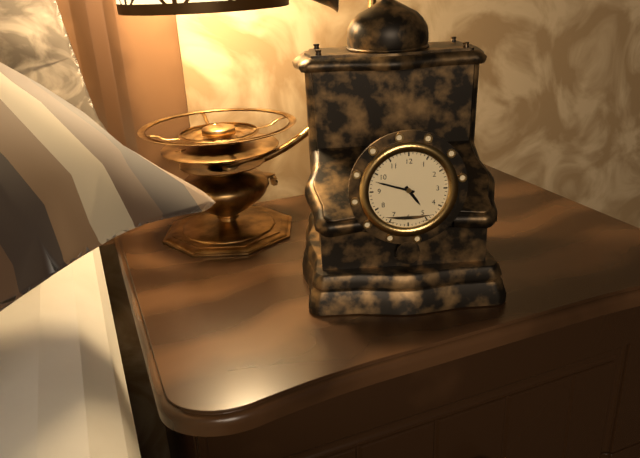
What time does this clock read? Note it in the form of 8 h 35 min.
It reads 4 h 48 min
